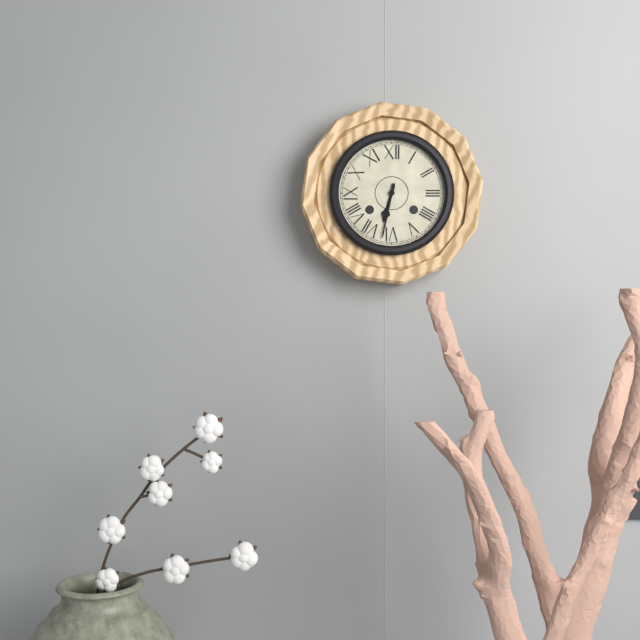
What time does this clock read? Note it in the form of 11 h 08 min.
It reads 6 h 32 min
